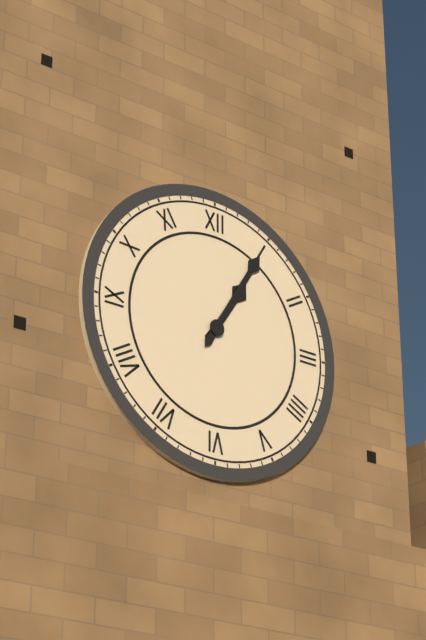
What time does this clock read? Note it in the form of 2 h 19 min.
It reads 1 h 05 min
